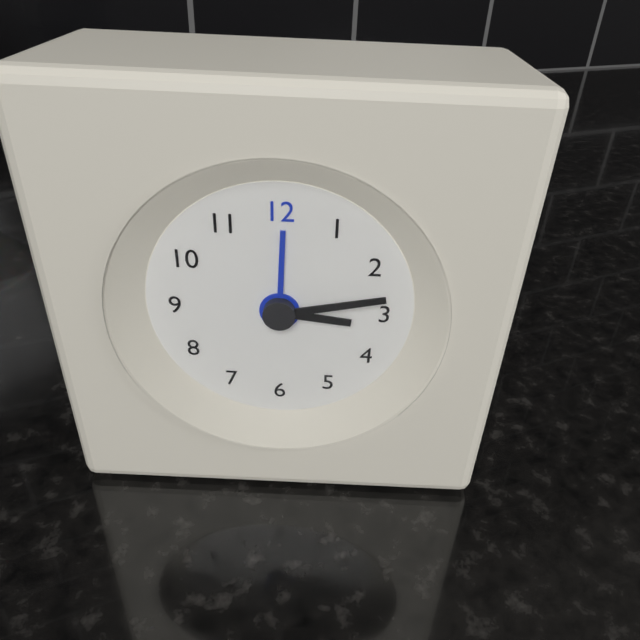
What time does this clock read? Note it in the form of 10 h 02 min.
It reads 3 h 13 min
